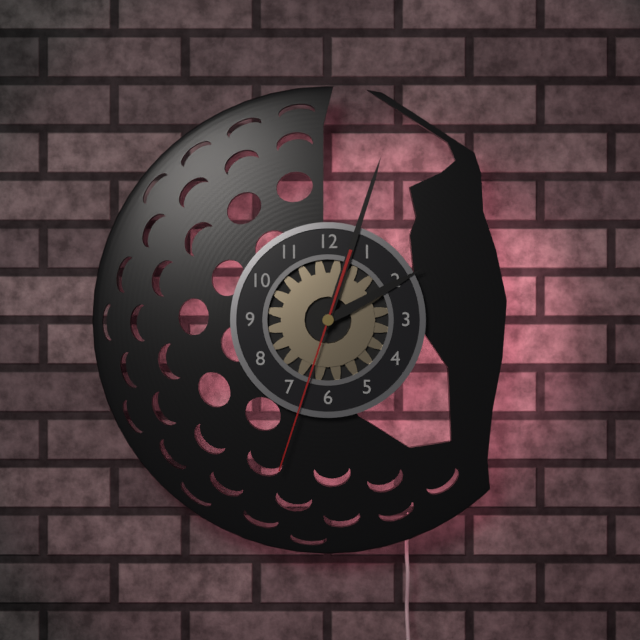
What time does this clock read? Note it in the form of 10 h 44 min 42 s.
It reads 2 h 03 min 33 s
